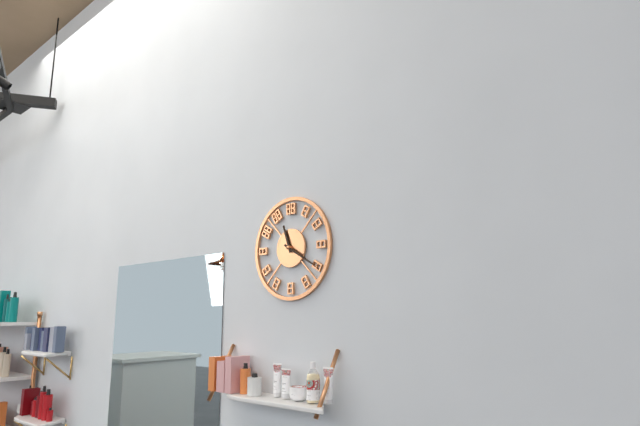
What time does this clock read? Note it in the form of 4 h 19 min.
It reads 11 h 20 min
